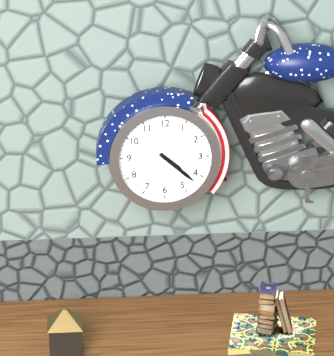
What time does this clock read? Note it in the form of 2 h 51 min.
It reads 4 h 22 min
